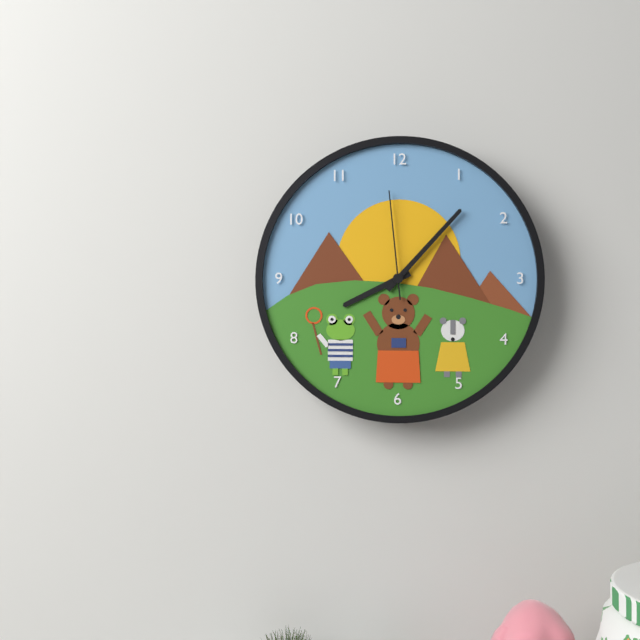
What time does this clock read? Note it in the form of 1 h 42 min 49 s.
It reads 8 h 07 min 59 s
